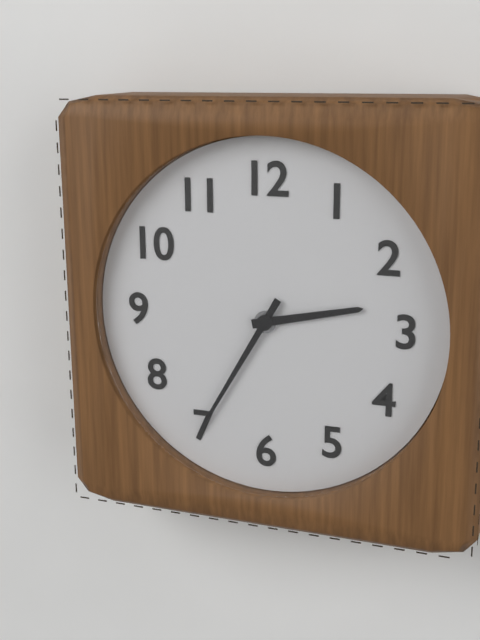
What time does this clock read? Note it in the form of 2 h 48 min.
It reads 2 h 35 min
